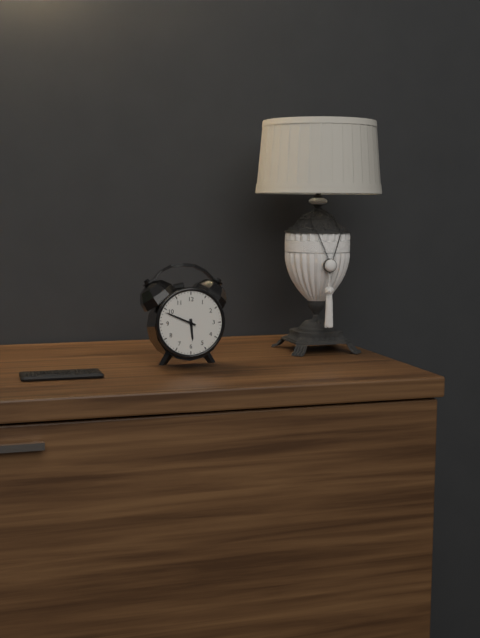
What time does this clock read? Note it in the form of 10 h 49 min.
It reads 5 h 49 min
